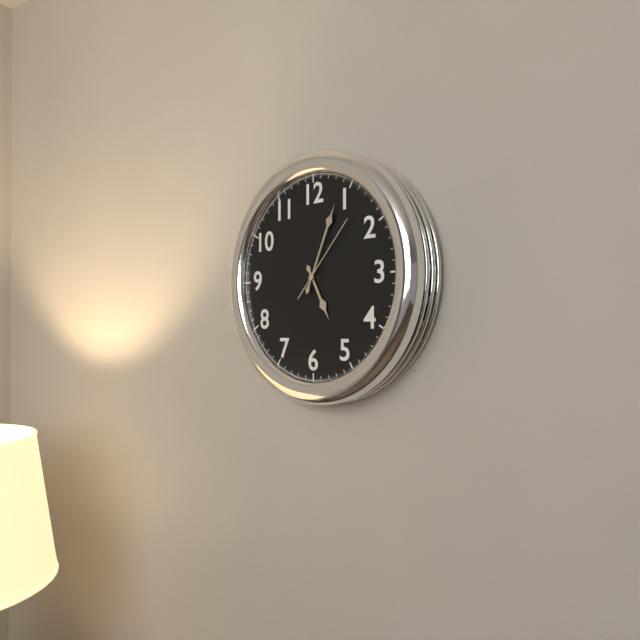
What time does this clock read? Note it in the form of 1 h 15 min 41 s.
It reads 5 h 04 min 07 s
